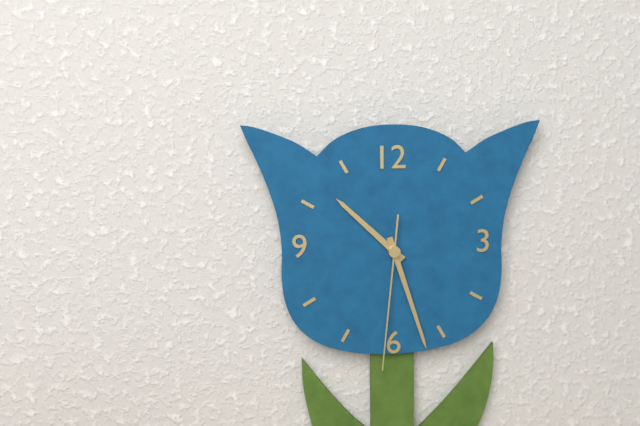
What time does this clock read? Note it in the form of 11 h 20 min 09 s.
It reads 10 h 27 min 31 s
